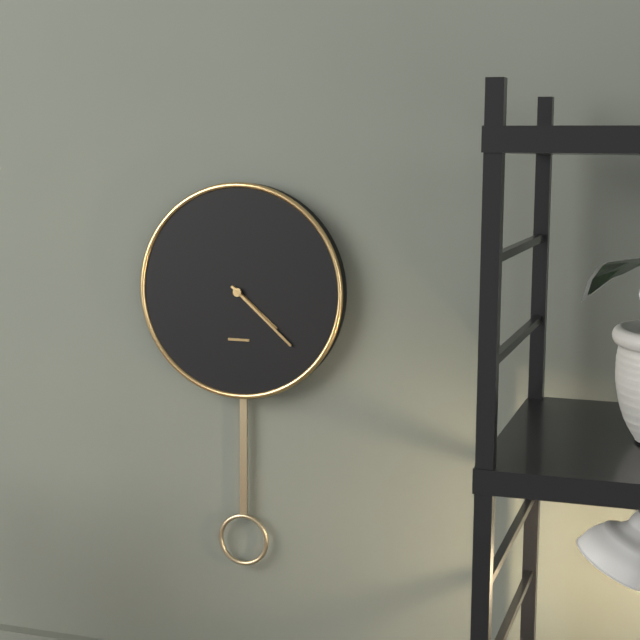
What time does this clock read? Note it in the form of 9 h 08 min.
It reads 4 h 22 min
